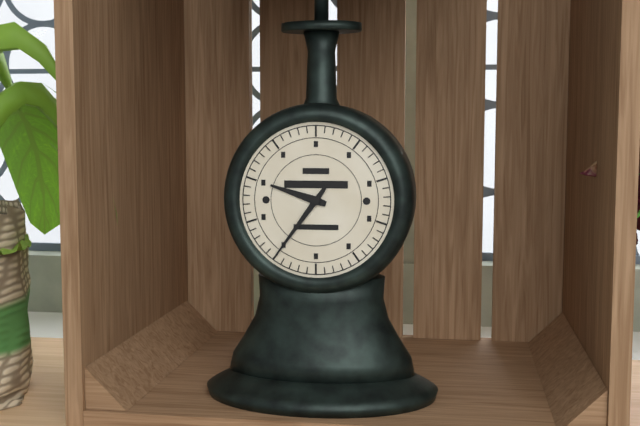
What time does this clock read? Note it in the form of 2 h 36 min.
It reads 9 h 36 min
